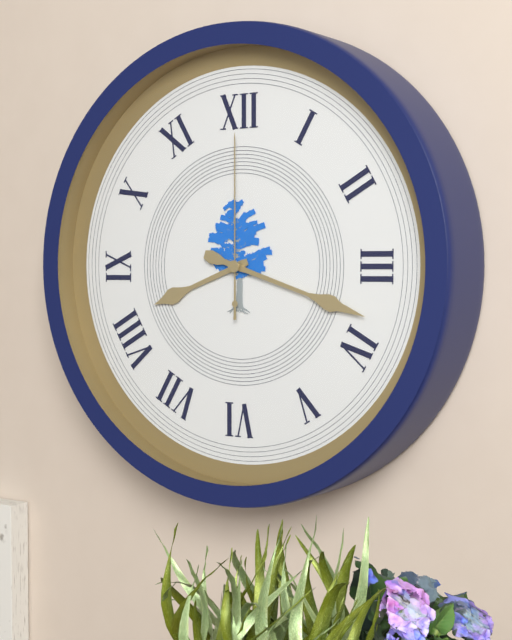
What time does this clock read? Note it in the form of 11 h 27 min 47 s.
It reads 8 h 18 min 00 s
